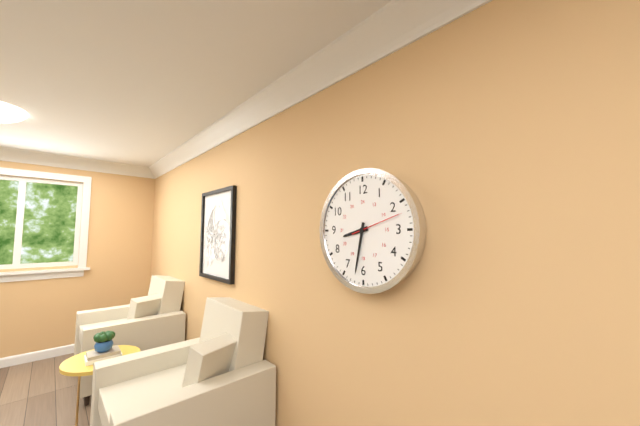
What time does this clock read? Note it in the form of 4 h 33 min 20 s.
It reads 8 h 32 min 12 s
